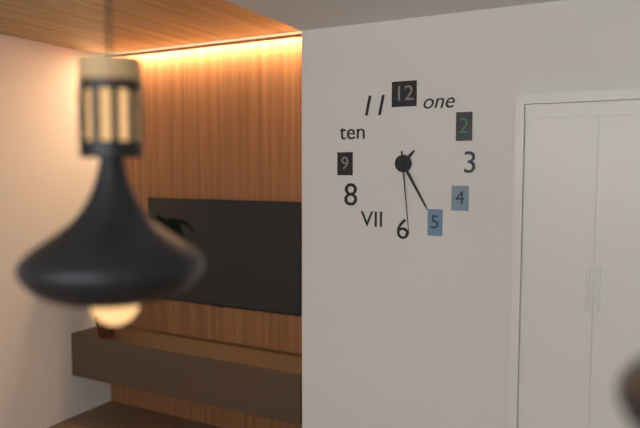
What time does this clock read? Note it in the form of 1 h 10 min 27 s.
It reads 1 h 25 min 29 s
